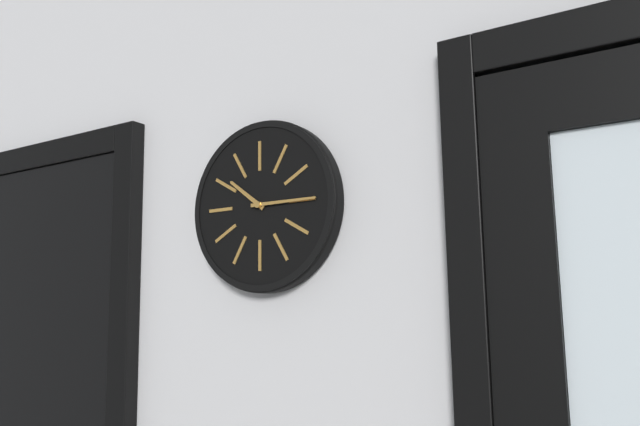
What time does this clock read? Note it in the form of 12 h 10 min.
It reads 10 h 15 min
